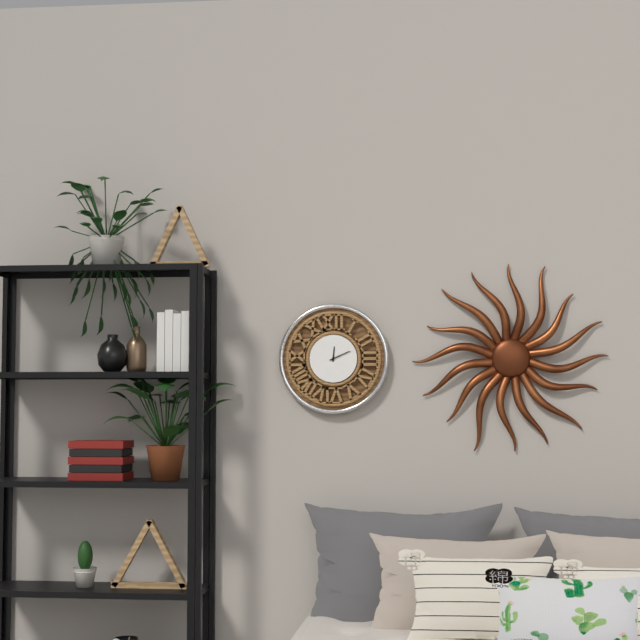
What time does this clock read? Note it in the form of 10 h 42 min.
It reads 12 h 11 min
